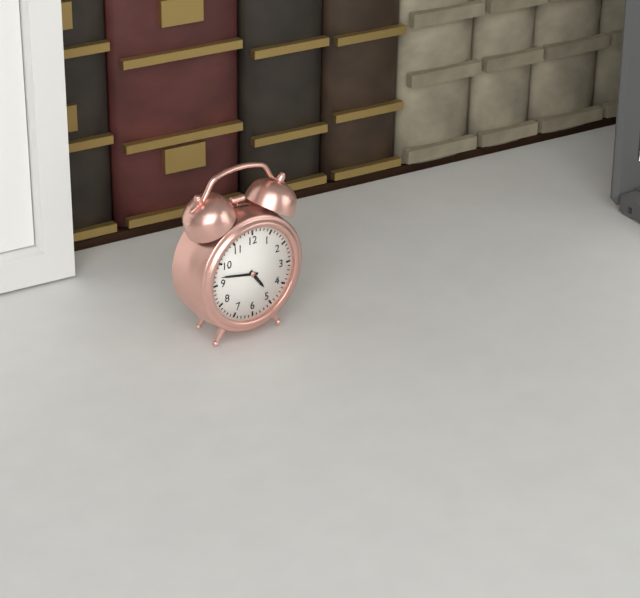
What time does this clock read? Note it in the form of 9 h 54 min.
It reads 4 h 47 min
